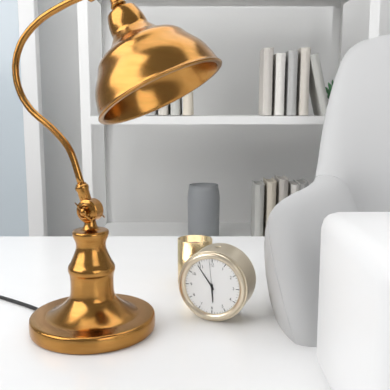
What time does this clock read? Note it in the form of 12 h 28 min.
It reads 5 h 54 min
